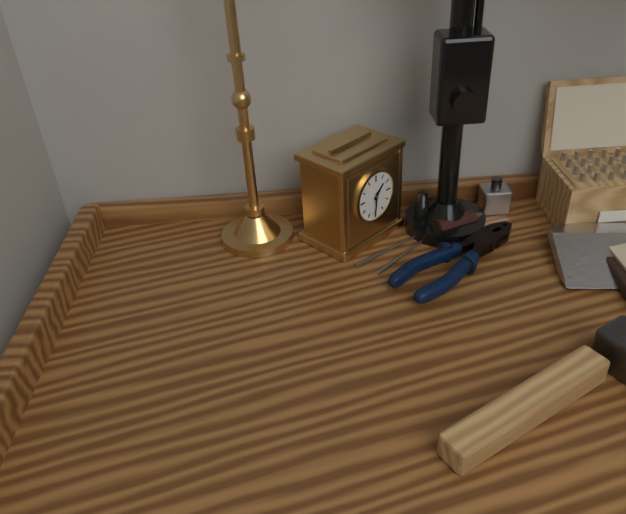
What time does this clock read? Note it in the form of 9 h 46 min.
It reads 1 h 31 min
